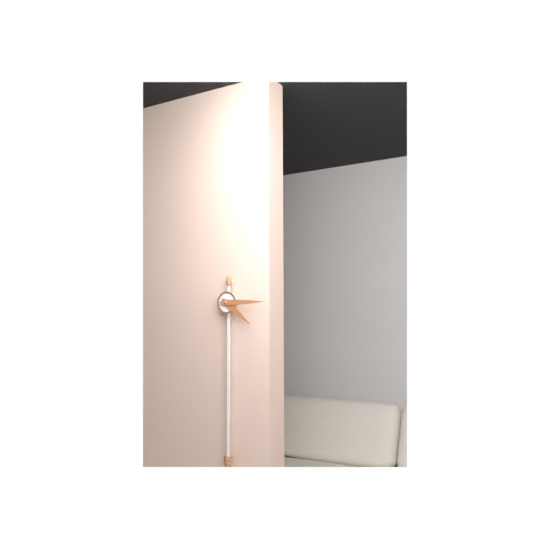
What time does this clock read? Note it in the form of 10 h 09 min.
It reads 4 h 15 min
